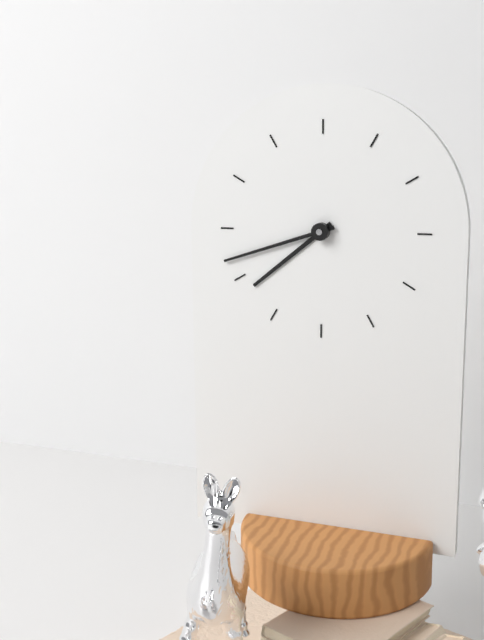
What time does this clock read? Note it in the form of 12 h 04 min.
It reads 7 h 42 min
